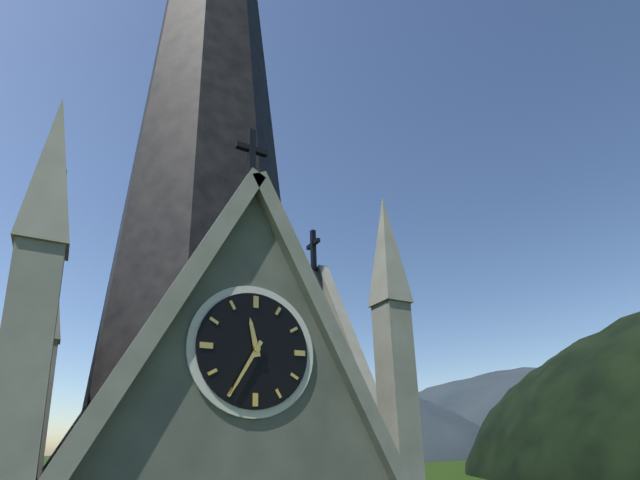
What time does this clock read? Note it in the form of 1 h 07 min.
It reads 11 h 35 min
